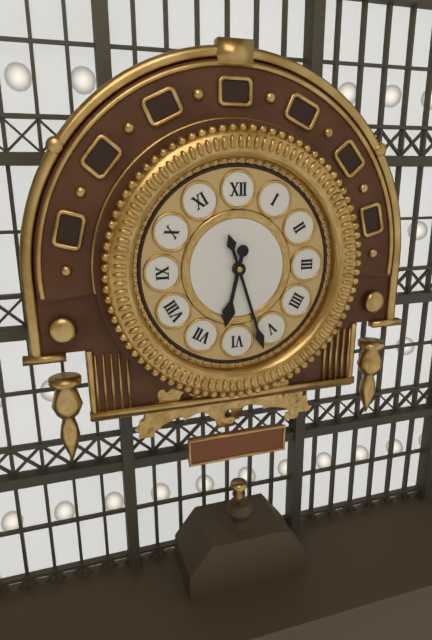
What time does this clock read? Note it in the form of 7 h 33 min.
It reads 6 h 27 min
